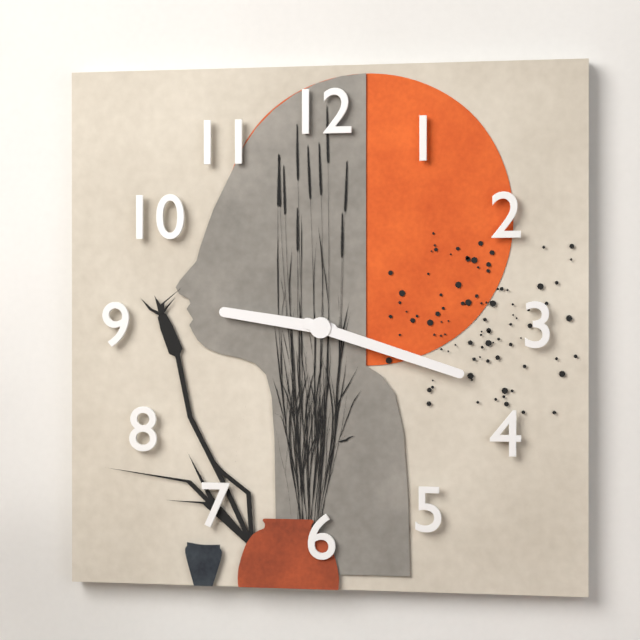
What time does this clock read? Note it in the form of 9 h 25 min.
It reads 9 h 18 min
